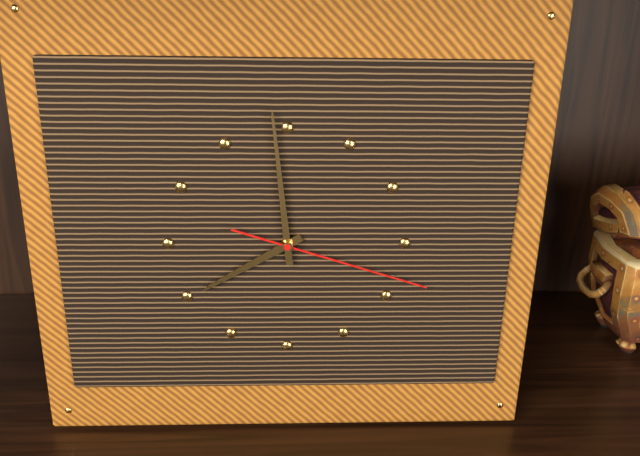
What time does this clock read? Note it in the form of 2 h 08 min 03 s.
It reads 7 h 59 min 18 s
